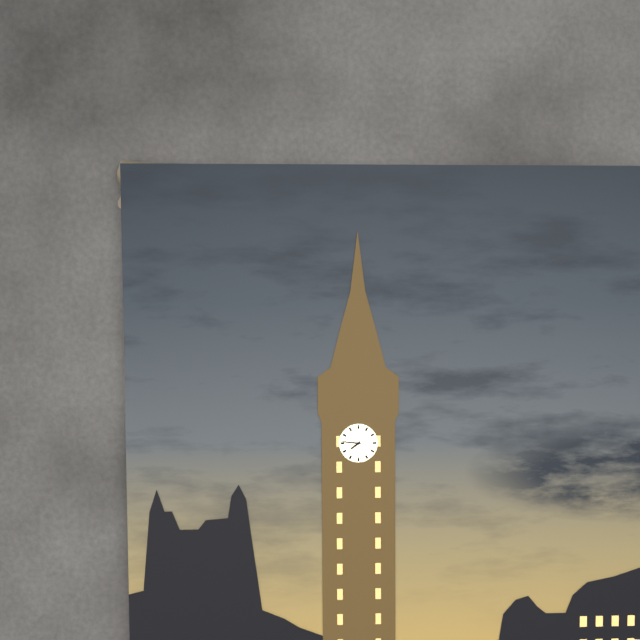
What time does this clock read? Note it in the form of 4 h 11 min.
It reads 7 h 46 min
